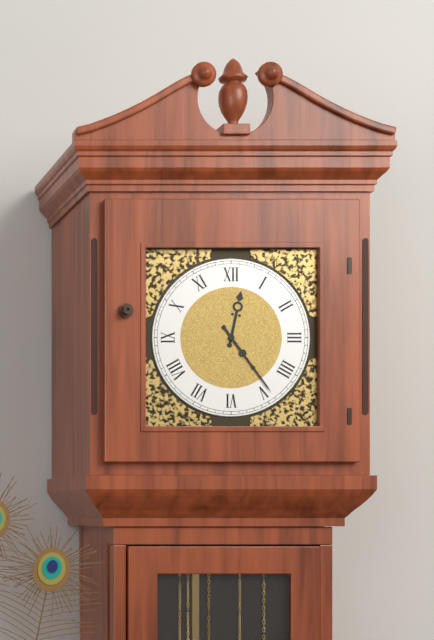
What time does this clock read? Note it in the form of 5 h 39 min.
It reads 12 h 24 min
